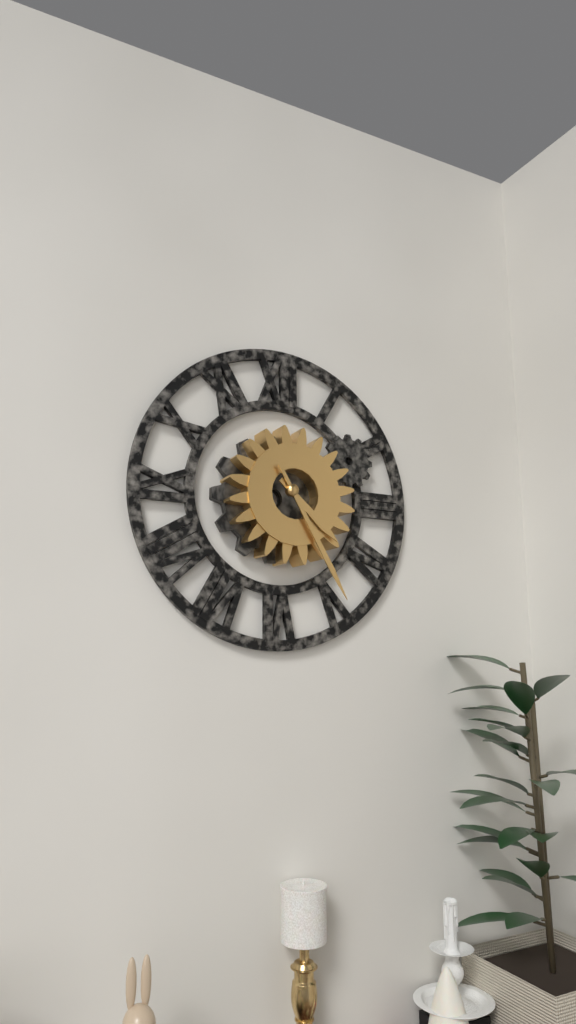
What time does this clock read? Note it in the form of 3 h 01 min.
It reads 4 h 25 min
